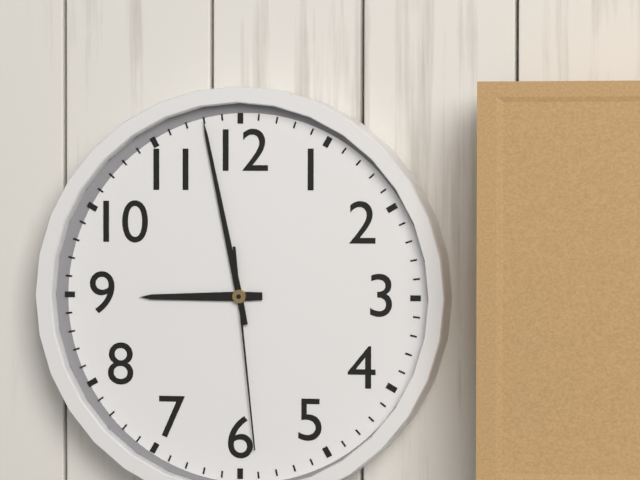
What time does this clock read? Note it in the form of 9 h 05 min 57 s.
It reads 8 h 58 min 29 s
